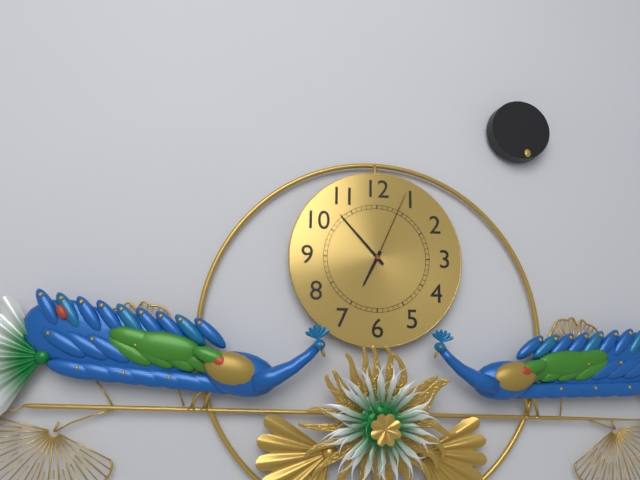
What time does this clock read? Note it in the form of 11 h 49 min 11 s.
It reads 6 h 53 min 04 s
